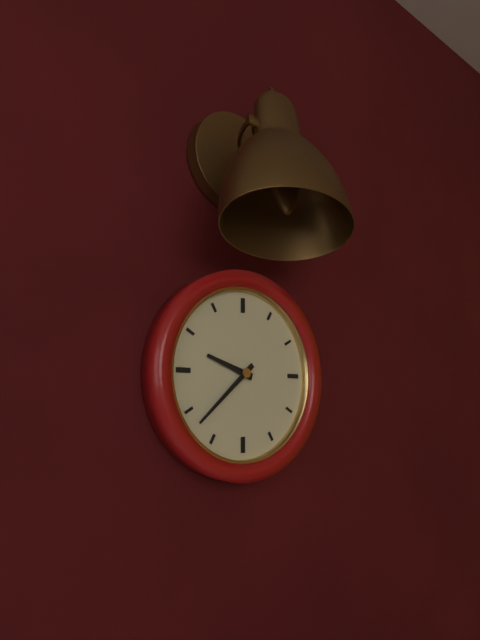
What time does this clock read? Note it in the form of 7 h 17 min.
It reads 9 h 38 min
